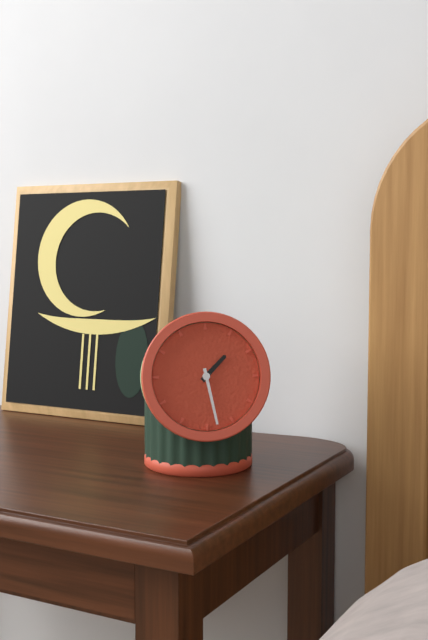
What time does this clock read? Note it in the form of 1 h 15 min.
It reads 1 h 28 min
